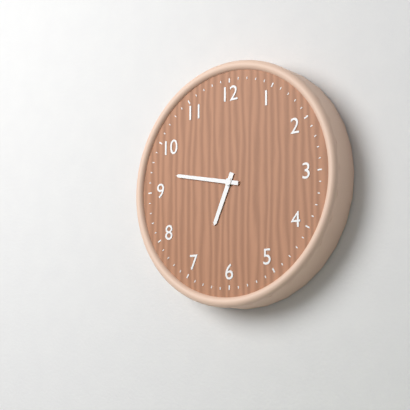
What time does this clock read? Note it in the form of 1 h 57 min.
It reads 6 h 47 min
